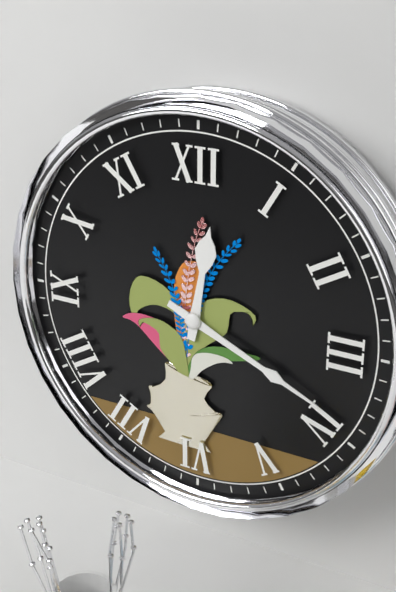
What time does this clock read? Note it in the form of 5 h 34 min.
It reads 12 h 19 min
